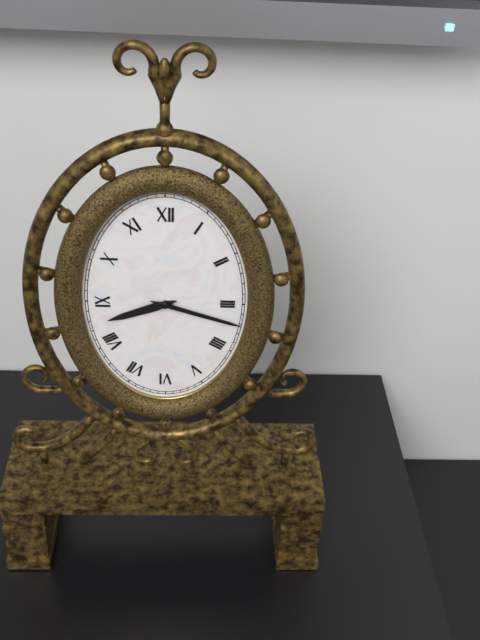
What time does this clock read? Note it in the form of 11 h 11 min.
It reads 8 h 18 min
